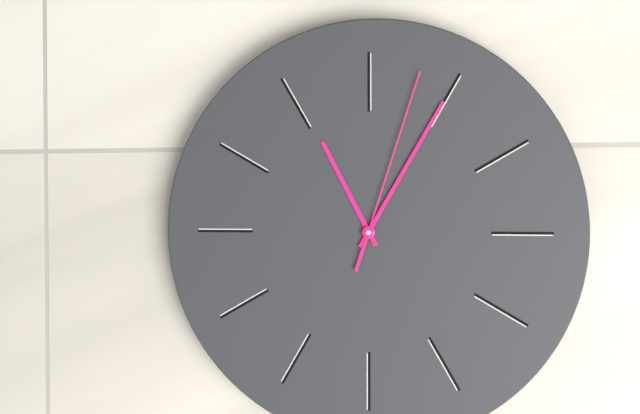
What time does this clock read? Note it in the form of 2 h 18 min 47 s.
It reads 11 h 05 min 03 s
